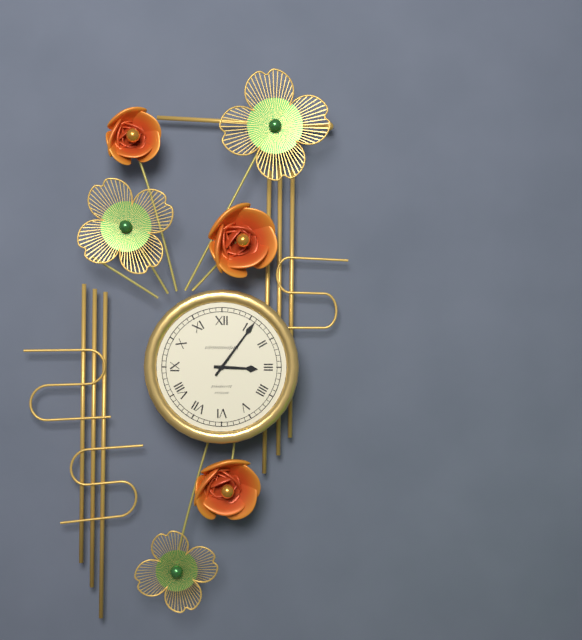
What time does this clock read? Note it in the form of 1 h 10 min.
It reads 3 h 06 min
